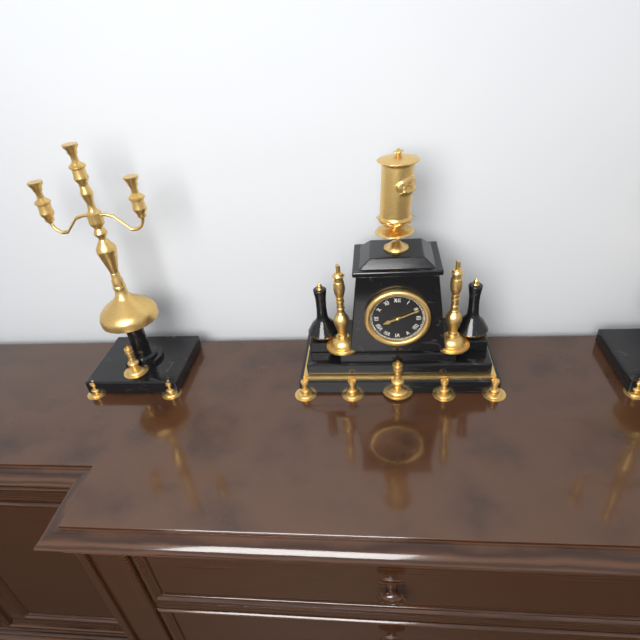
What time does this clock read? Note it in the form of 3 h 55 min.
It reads 8 h 11 min
